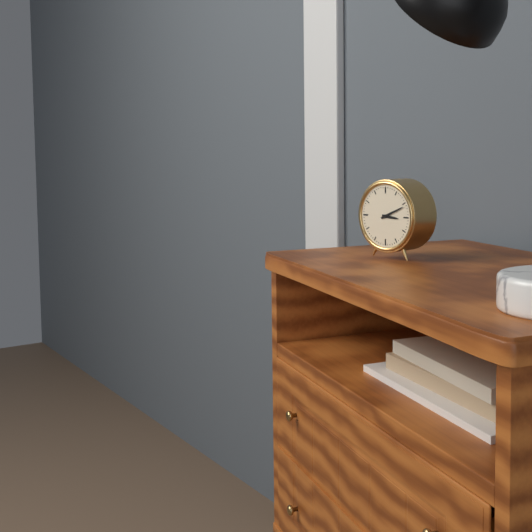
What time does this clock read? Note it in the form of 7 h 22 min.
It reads 3 h 11 min
